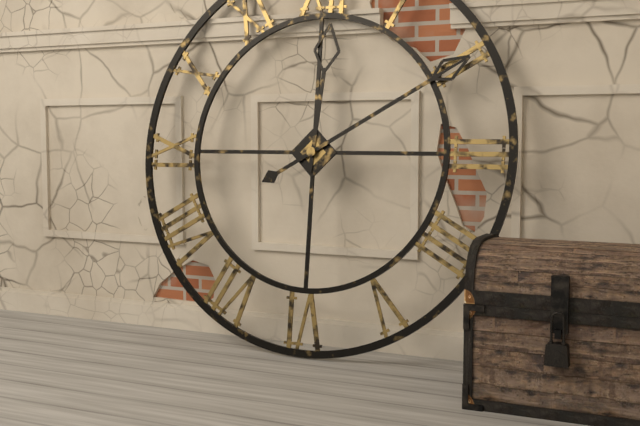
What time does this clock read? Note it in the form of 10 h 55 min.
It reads 12 h 10 min
